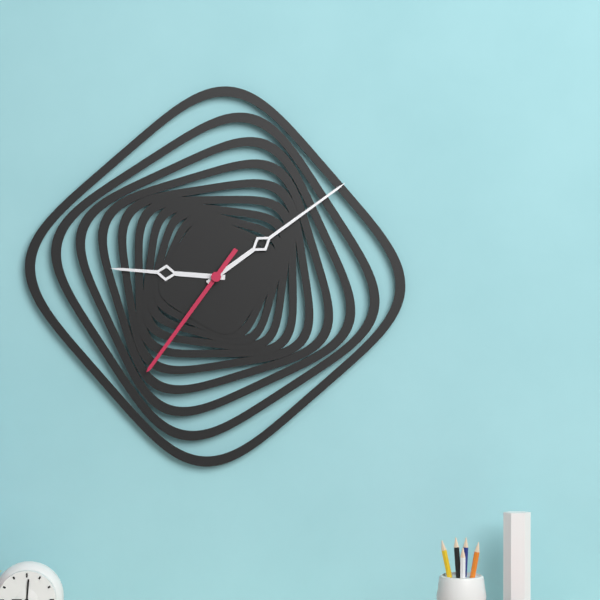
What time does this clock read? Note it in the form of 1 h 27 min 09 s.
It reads 9 h 09 min 36 s
